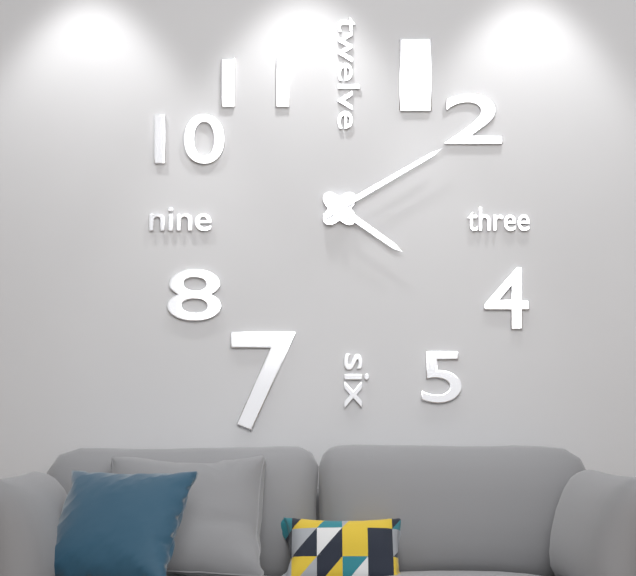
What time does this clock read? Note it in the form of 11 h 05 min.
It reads 4 h 10 min
